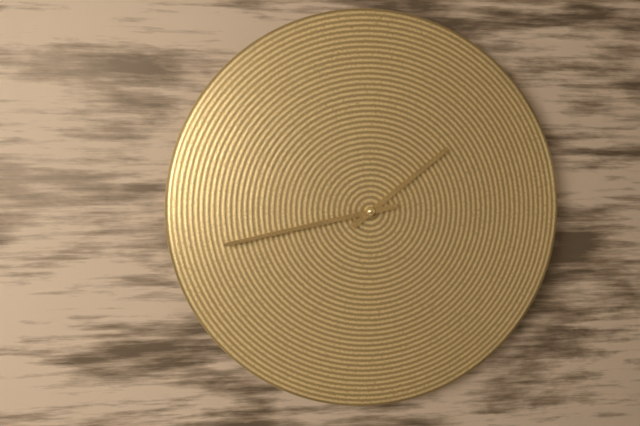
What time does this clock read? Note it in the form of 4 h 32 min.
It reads 1 h 43 min
